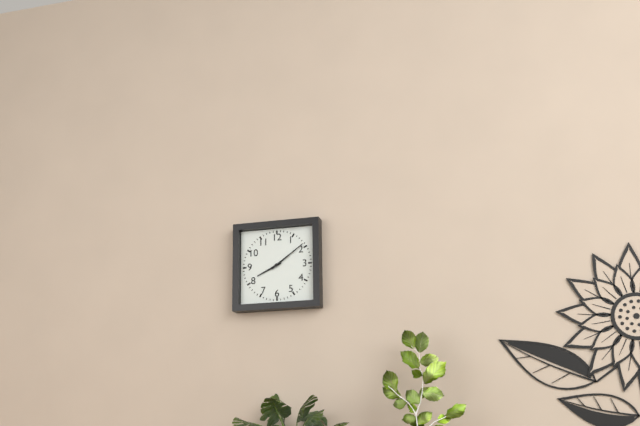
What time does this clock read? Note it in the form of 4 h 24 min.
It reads 8 h 09 min
